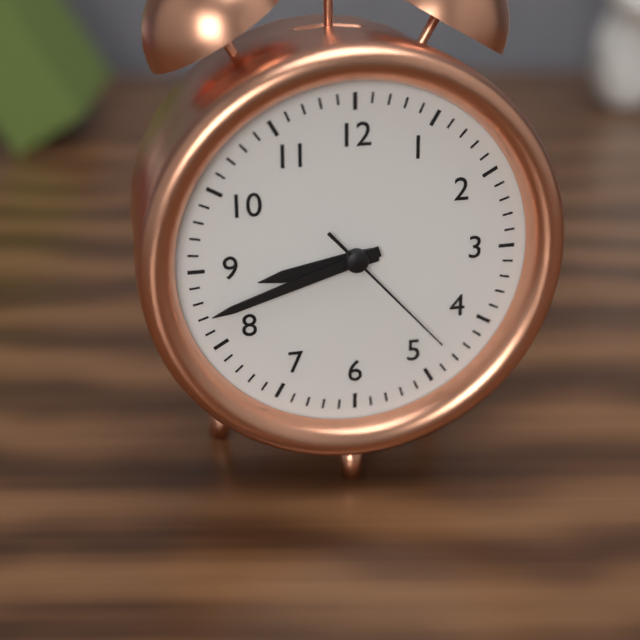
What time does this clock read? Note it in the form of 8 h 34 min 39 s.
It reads 8 h 42 min 23 s
